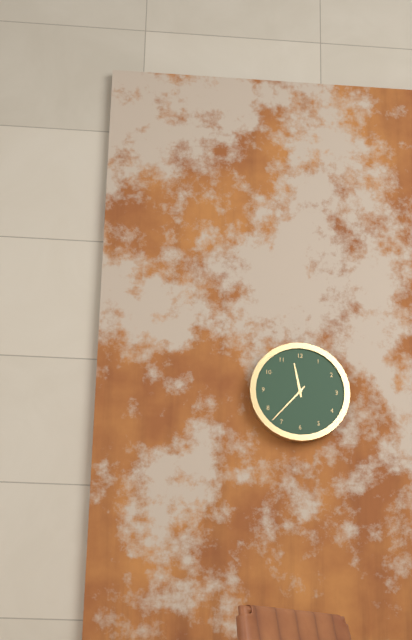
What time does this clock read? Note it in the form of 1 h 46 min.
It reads 11 h 37 min
